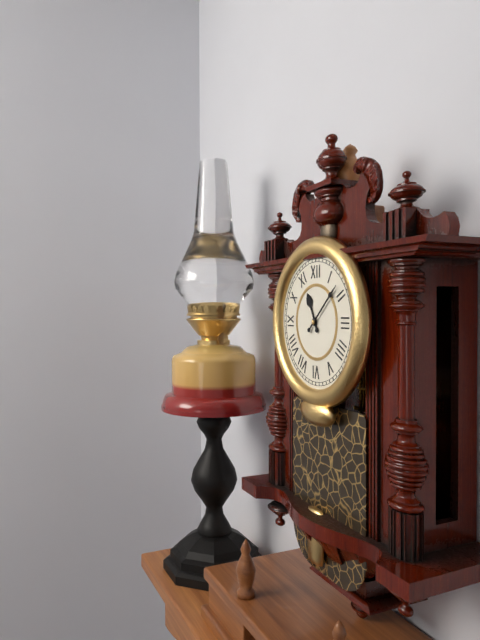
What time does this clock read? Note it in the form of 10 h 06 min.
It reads 11 h 08 min
